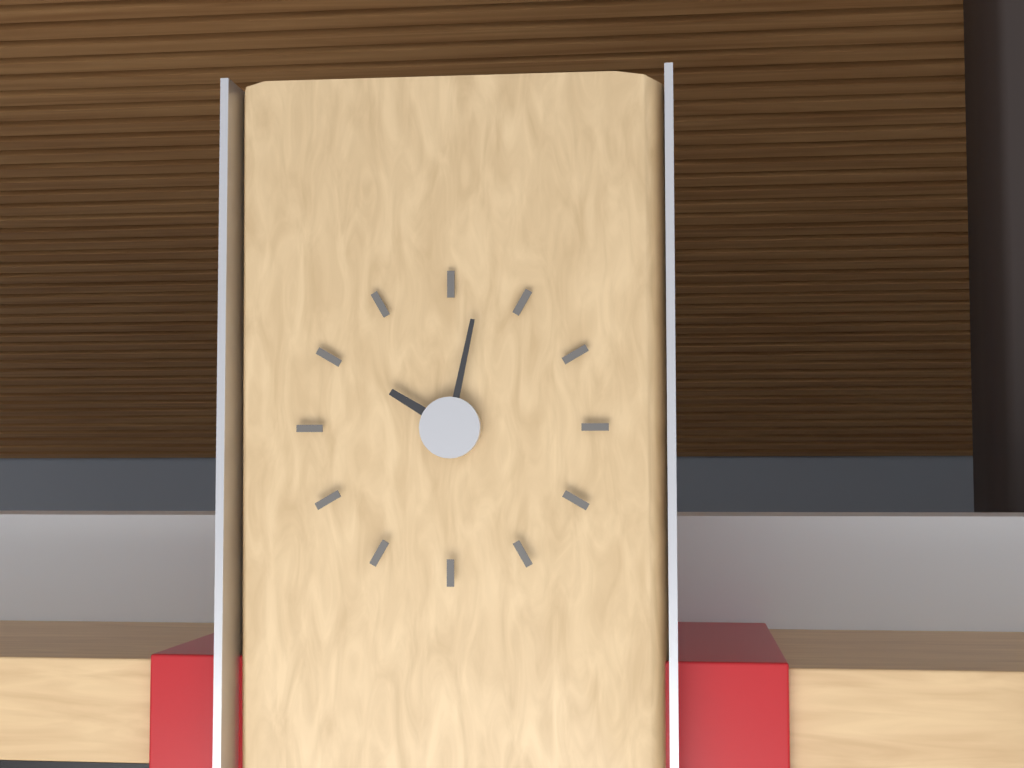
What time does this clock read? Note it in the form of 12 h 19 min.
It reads 10 h 02 min
